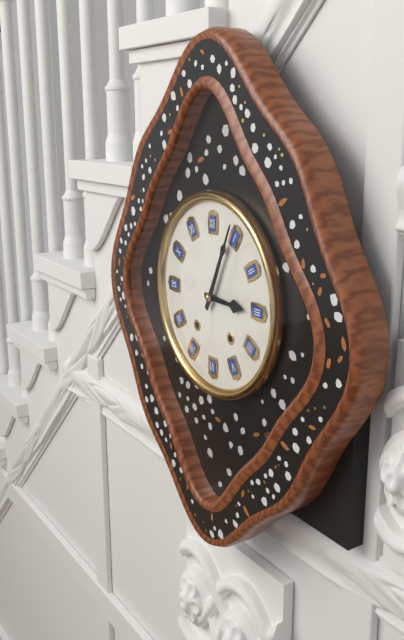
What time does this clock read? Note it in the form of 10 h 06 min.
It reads 3 h 04 min
